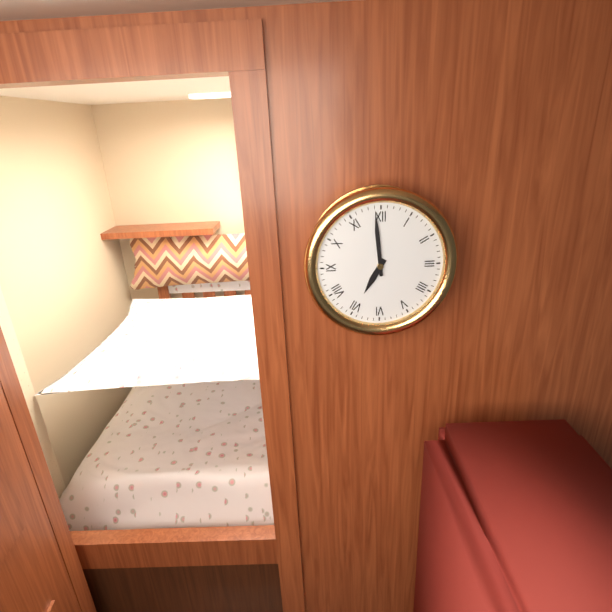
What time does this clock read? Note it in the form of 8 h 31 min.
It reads 6 h 59 min
